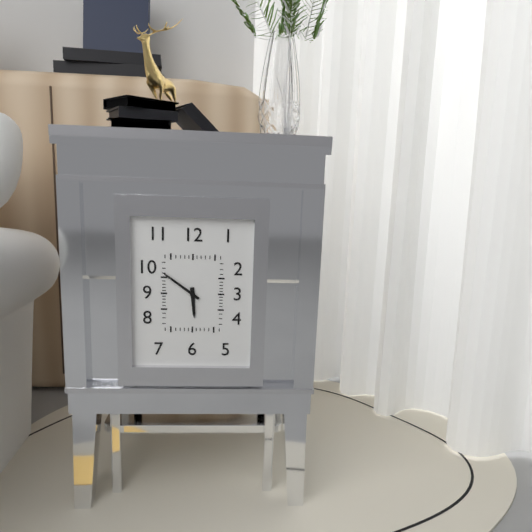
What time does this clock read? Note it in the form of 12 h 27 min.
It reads 5 h 51 min
